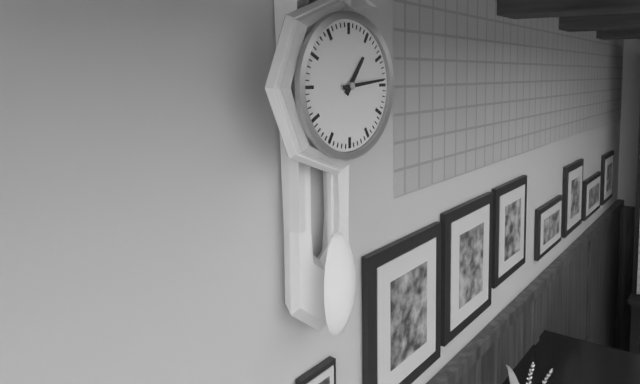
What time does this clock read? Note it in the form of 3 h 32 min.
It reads 1 h 14 min
